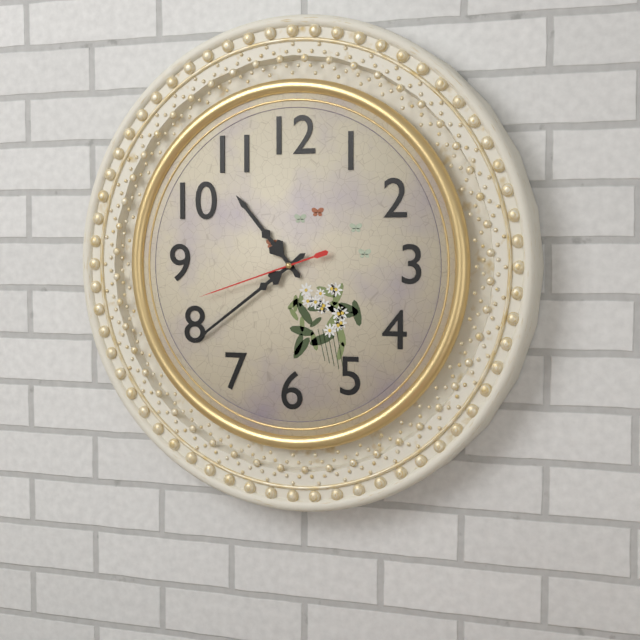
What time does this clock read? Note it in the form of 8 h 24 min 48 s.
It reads 10 h 39 min 42 s
